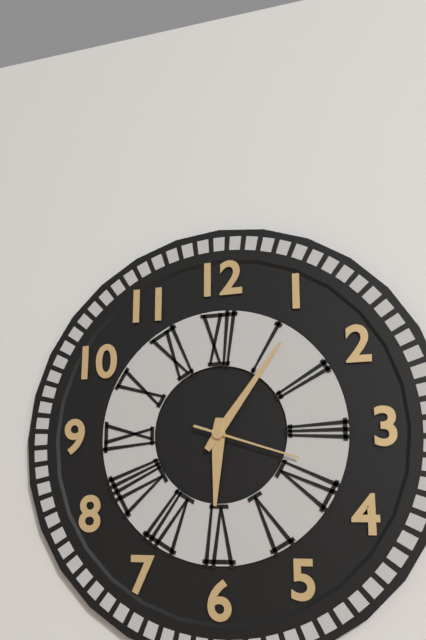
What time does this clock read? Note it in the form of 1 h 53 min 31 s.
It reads 6 h 06 min 18 s
